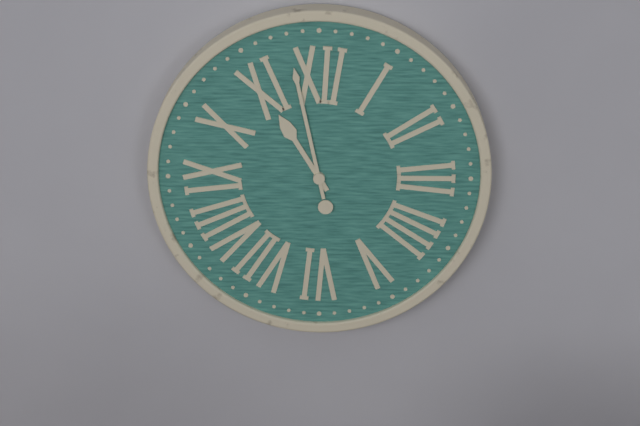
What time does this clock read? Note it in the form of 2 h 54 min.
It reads 10 h 58 min
